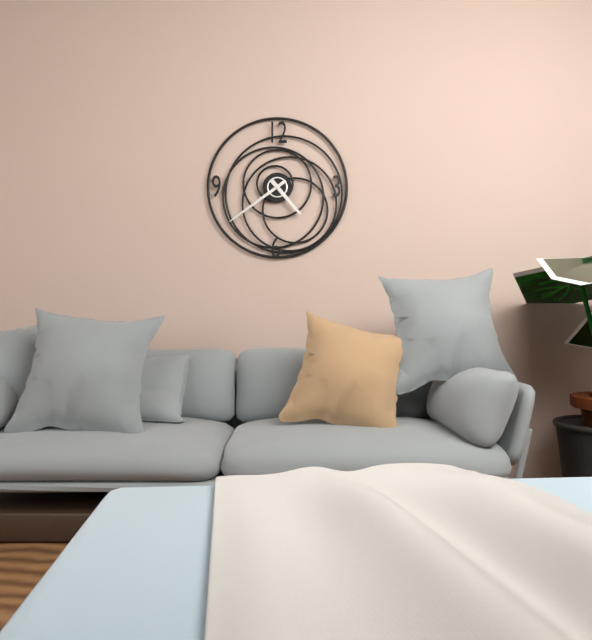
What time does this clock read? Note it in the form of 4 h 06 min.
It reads 4 h 39 min
